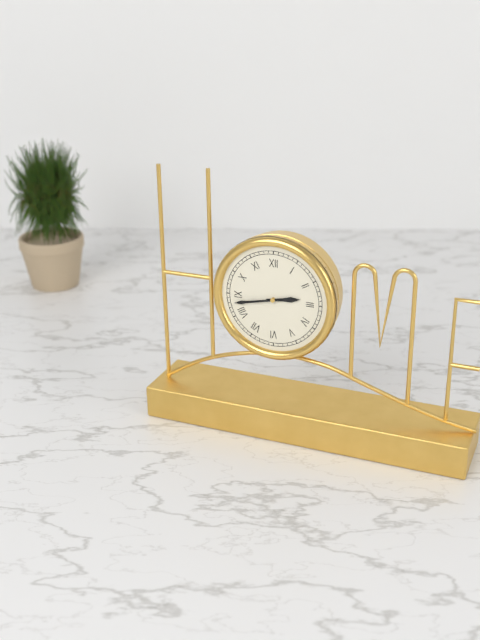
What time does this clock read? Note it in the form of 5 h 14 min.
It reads 2 h 43 min
